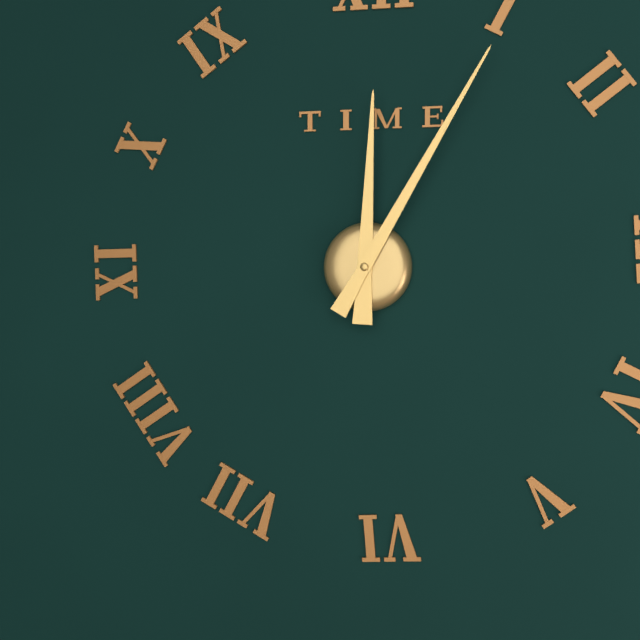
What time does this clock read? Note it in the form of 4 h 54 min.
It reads 12 h 05 min
